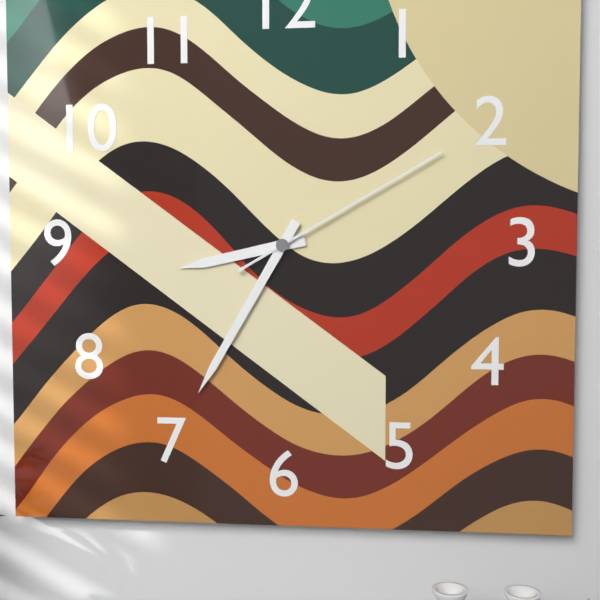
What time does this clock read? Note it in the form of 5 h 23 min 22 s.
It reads 8 h 35 min 10 s
